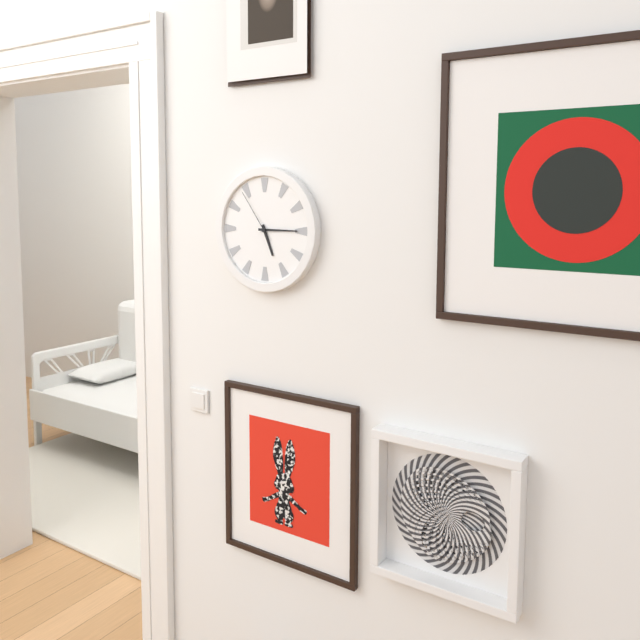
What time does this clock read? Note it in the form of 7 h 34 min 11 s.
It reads 5 h 15 min 54 s
